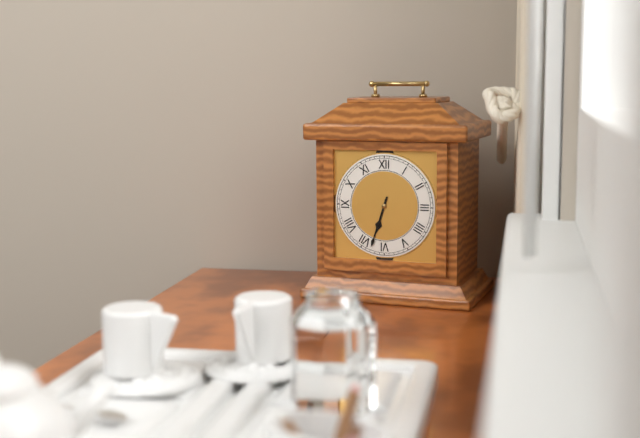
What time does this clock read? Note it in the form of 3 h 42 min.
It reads 6 h 33 min
